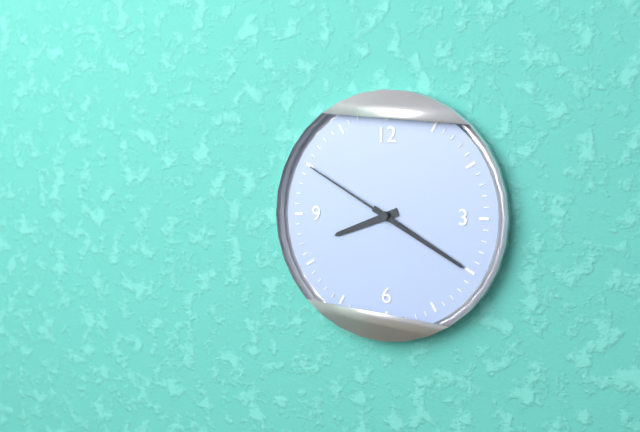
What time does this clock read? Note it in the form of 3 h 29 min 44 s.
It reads 8 h 20 min 50 s
